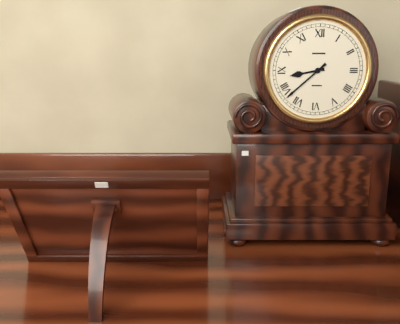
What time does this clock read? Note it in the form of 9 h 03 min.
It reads 8 h 38 min
